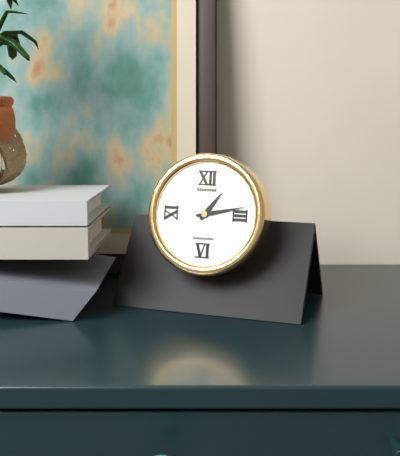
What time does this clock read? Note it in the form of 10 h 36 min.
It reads 1 h 13 min
